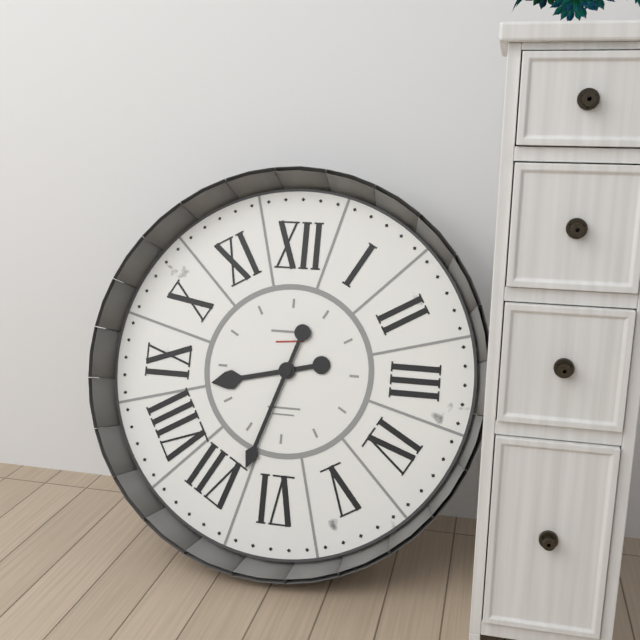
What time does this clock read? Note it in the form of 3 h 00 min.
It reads 8 h 33 min
